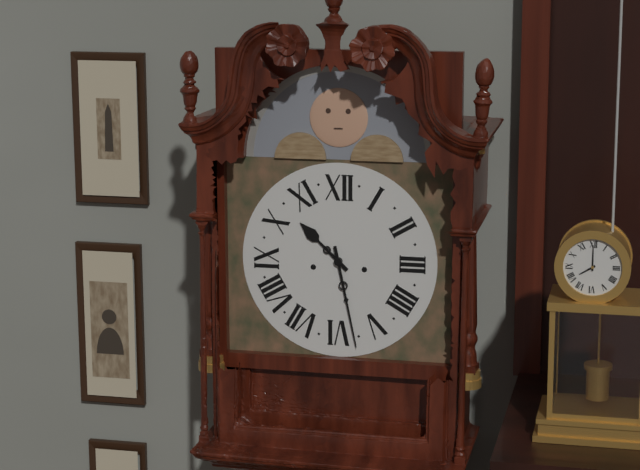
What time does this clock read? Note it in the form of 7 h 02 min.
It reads 10 h 28 min
